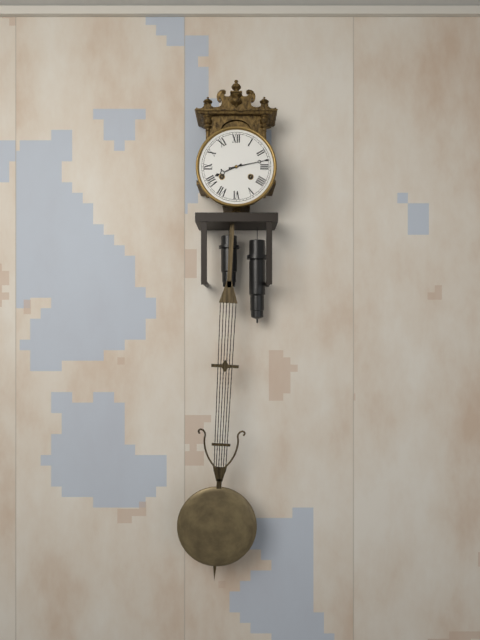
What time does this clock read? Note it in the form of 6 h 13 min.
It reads 8 h 13 min
